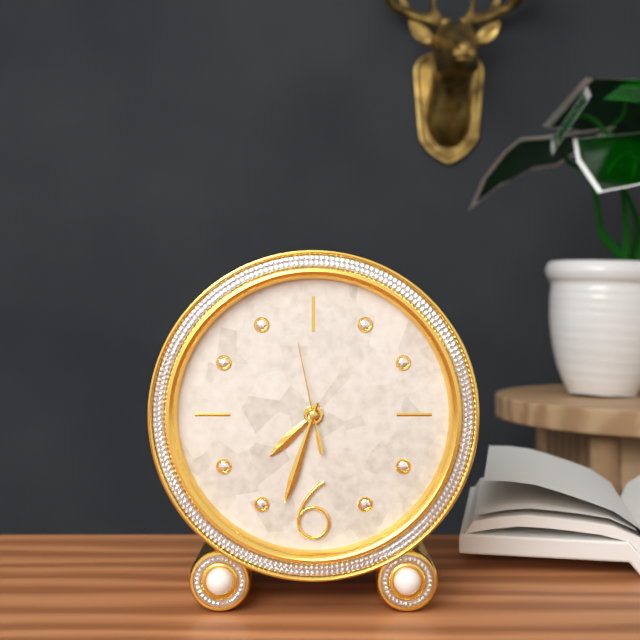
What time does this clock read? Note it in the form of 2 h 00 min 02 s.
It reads 7 h 33 min 58 s
